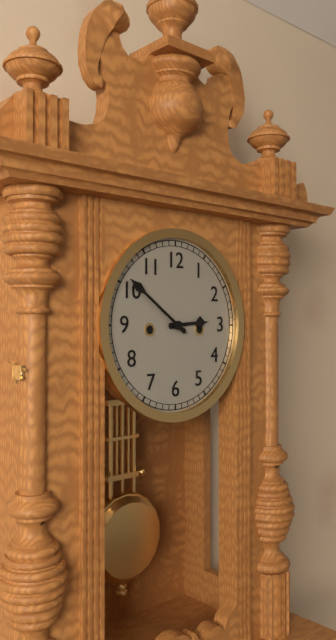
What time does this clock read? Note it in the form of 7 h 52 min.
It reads 2 h 51 min
